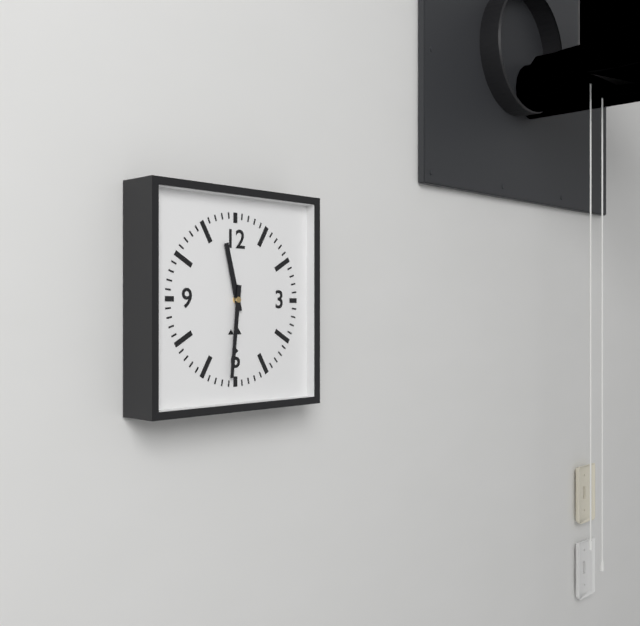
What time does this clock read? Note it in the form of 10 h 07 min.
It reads 11 h 31 min
